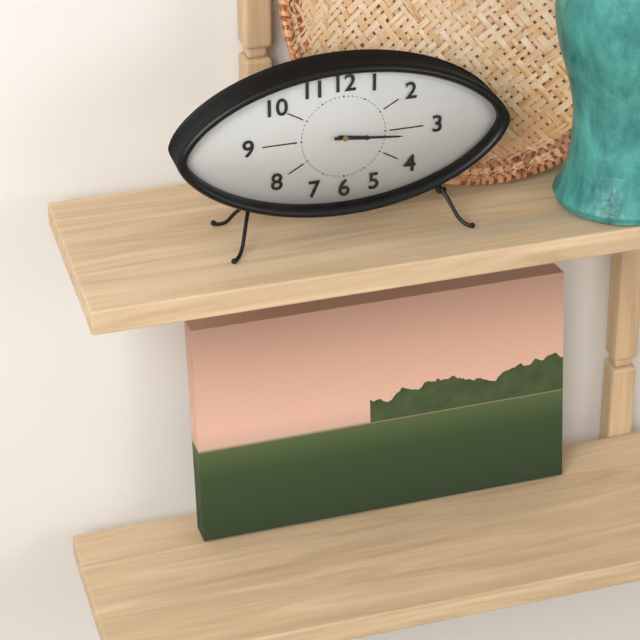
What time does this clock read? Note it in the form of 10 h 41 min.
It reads 3 h 16 min
